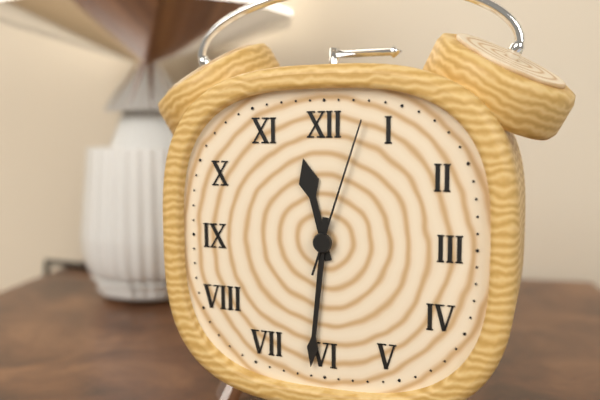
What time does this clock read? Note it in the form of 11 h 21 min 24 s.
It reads 11 h 31 min 03 s
